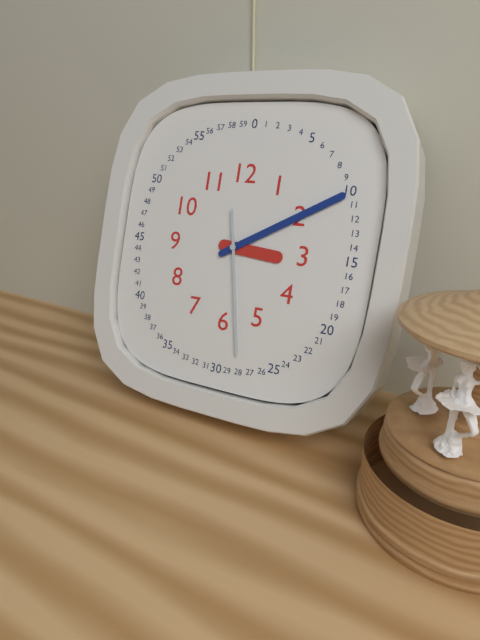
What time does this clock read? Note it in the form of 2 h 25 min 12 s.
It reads 3 h 10 min 28 s
